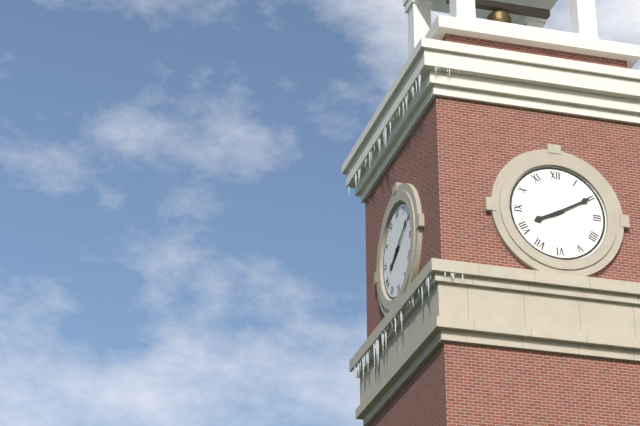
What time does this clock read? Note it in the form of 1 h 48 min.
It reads 8 h 10 min
